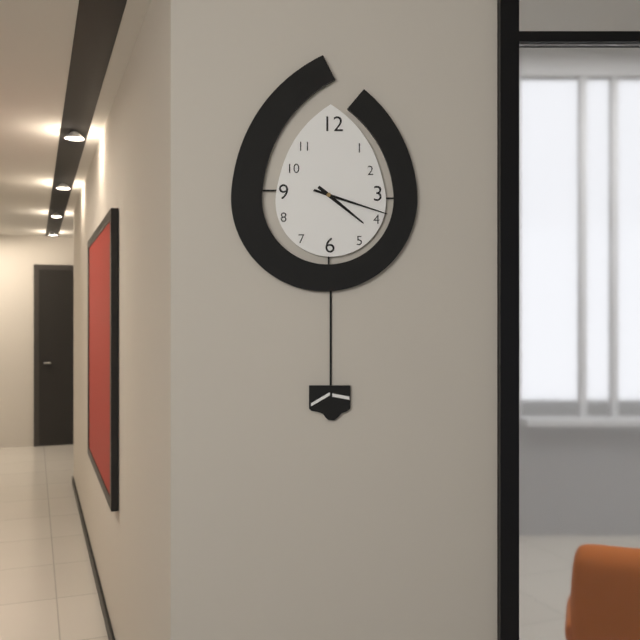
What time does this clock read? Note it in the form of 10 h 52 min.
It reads 4 h 18 min
